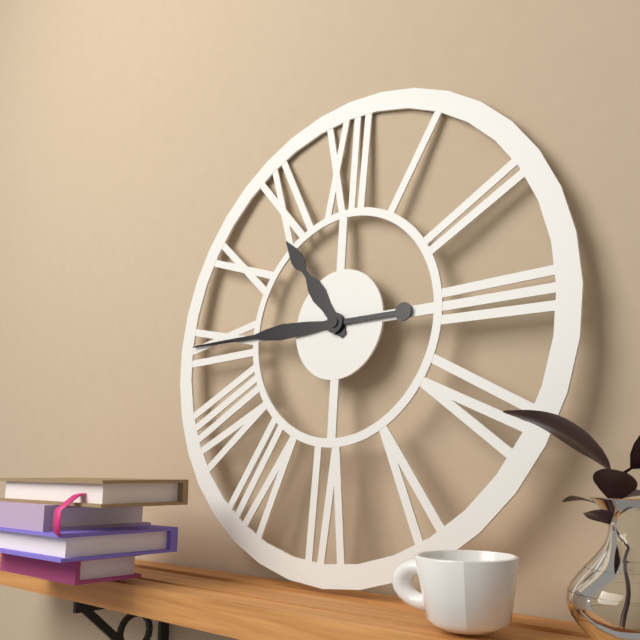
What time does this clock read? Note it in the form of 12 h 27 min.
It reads 10 h 45 min
